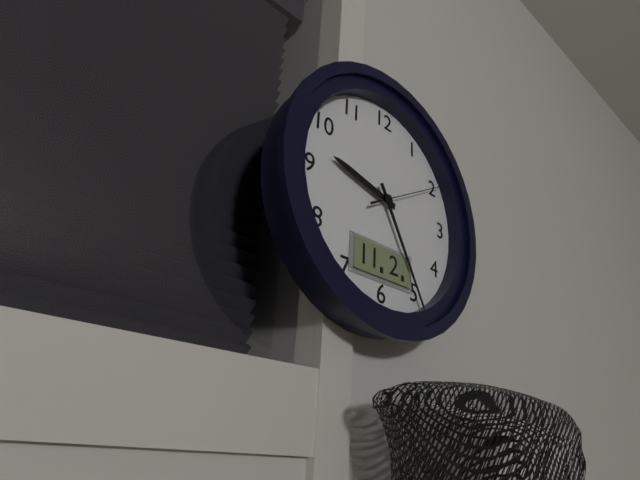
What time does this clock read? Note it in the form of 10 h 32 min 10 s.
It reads 9 h 25 min 10 s
